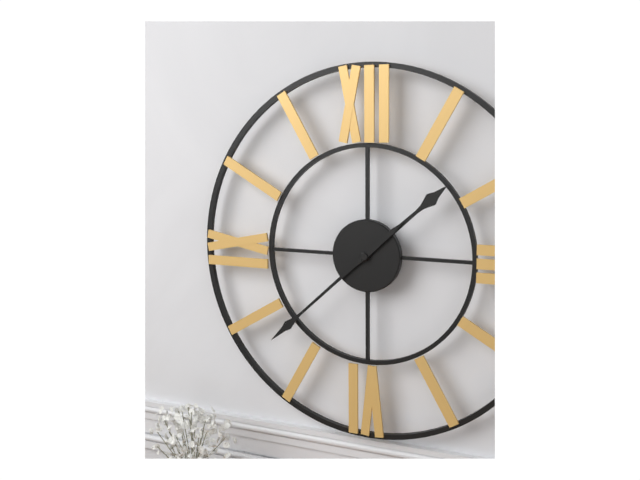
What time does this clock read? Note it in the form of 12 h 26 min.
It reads 1 h 38 min
